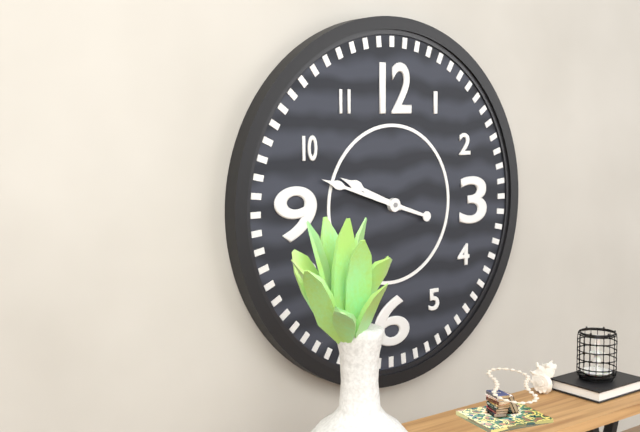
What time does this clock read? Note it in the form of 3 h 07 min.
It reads 9 h 48 min
